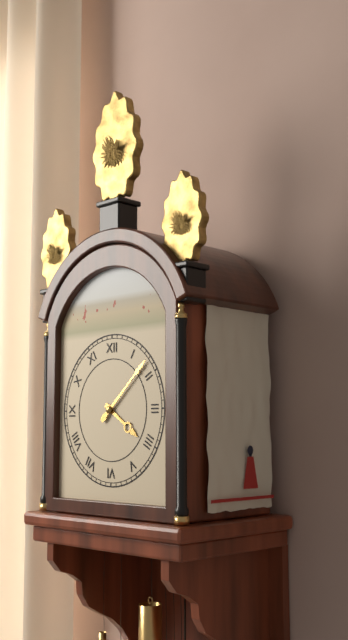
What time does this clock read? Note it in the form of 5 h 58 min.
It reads 4 h 08 min
